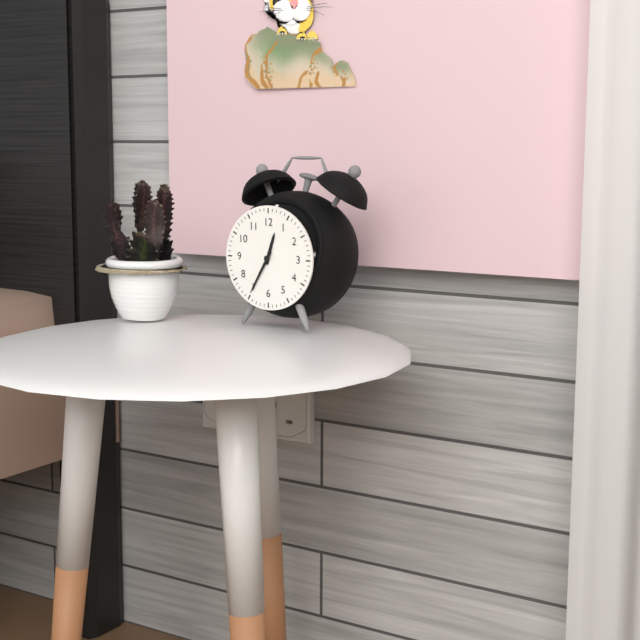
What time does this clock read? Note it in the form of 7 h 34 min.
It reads 12 h 35 min
